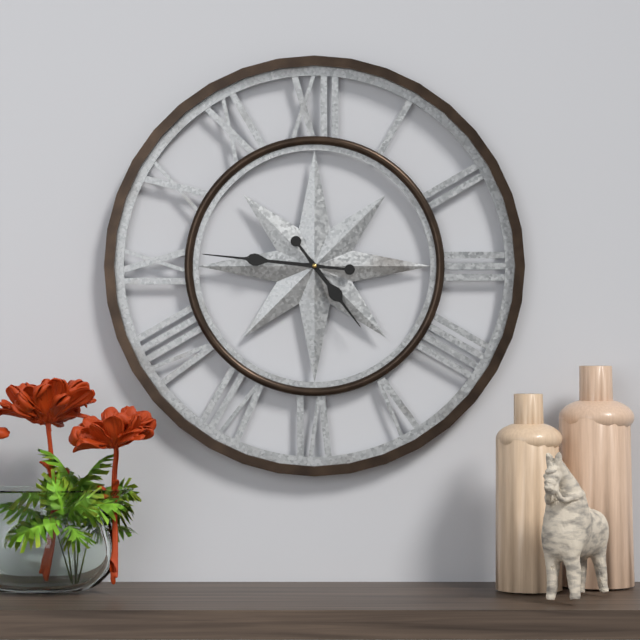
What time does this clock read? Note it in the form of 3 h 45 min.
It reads 4 h 46 min
